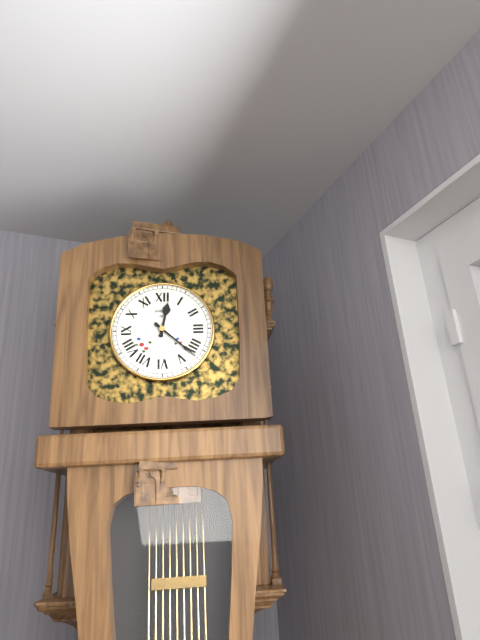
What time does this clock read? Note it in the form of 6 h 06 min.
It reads 12 h 22 min
